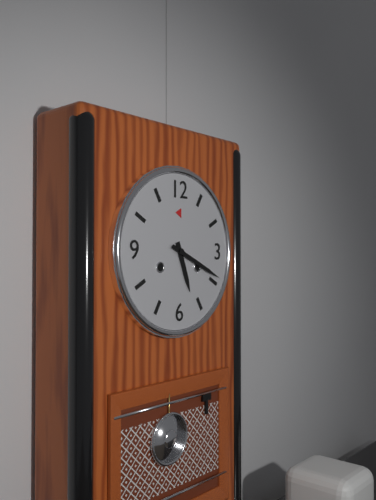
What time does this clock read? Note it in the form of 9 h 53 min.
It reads 5 h 19 min
